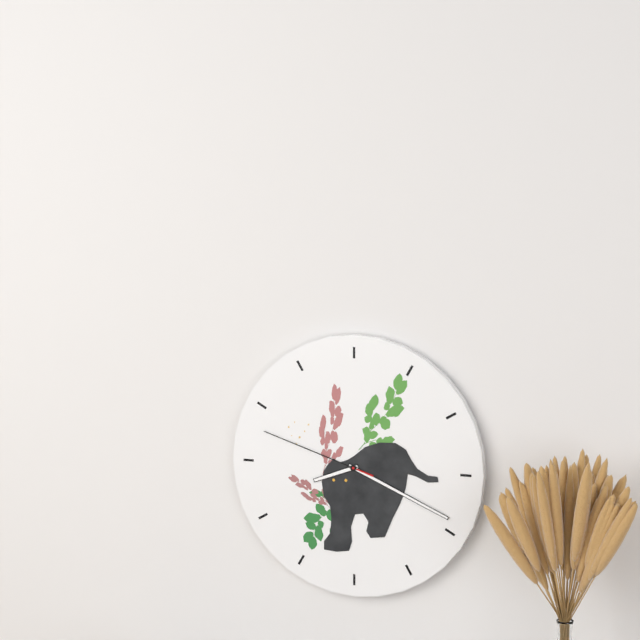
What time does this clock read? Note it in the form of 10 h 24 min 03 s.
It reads 8 h 19 min 48 s
